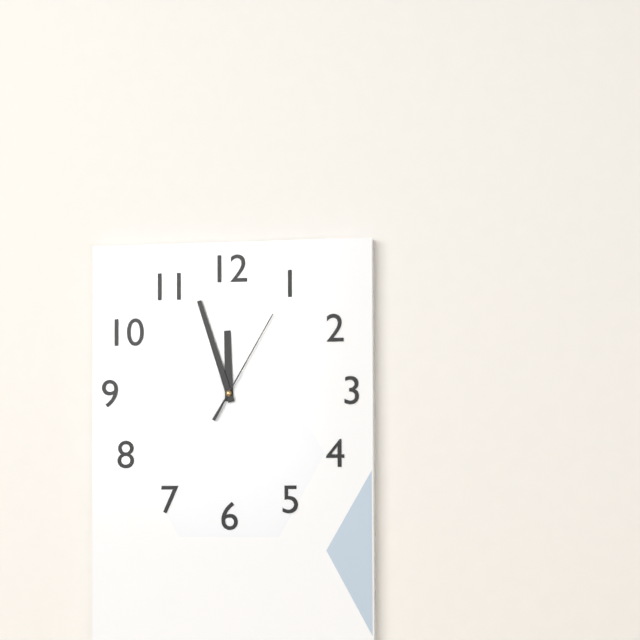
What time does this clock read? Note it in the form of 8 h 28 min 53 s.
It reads 11 h 57 min 05 s
